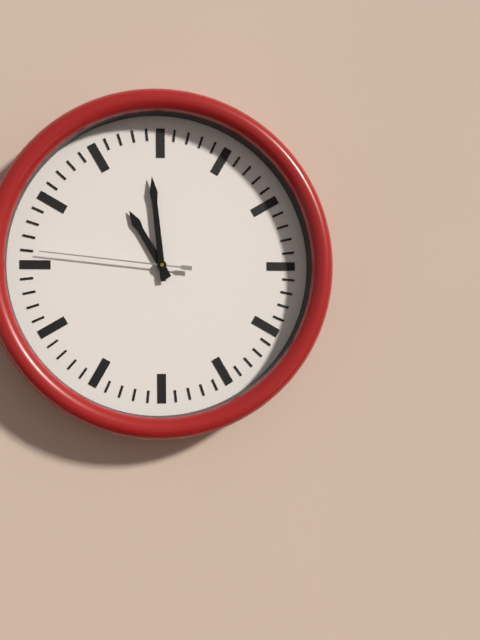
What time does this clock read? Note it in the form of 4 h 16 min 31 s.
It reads 10 h 59 min 46 s
